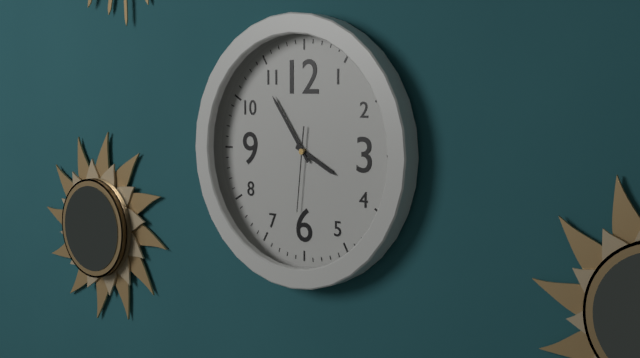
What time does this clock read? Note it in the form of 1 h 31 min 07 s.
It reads 3 h 54 min 31 s
